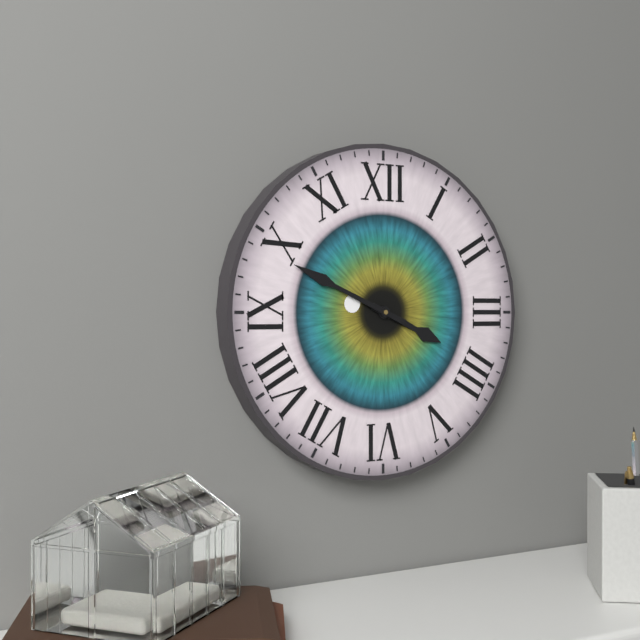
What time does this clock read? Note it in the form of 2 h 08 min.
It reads 3 h 49 min
